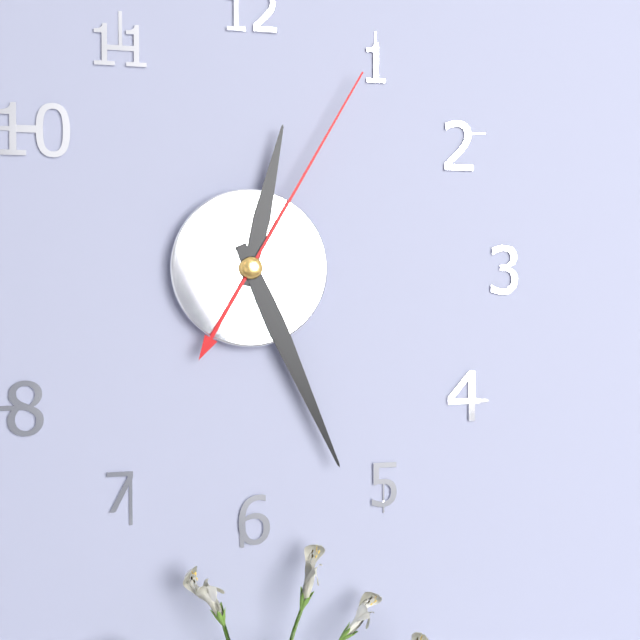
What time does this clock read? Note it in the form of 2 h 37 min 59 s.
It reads 12 h 26 min 05 s
